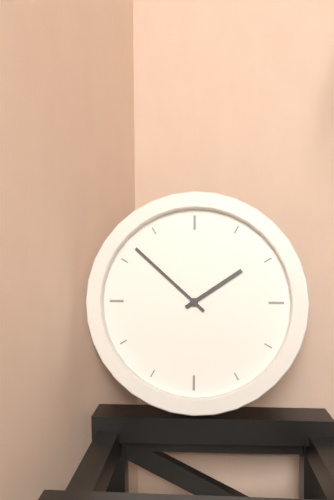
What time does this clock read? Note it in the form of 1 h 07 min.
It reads 1 h 52 min
